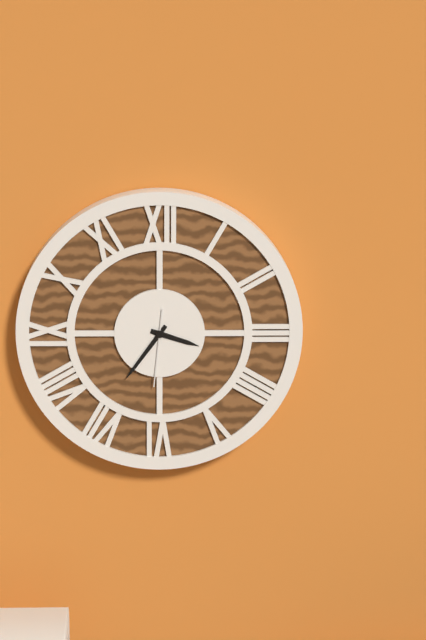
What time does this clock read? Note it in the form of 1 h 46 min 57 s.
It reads 3 h 36 min 31 s
